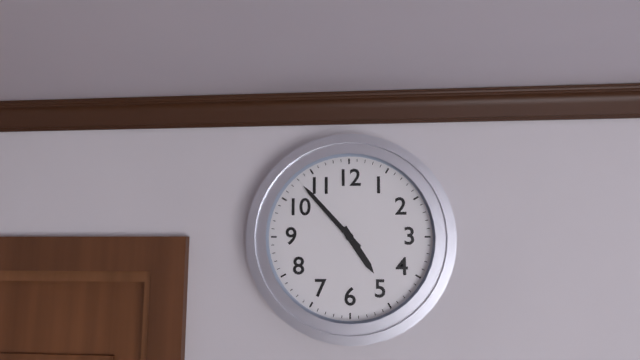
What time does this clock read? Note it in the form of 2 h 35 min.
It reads 4 h 53 min
